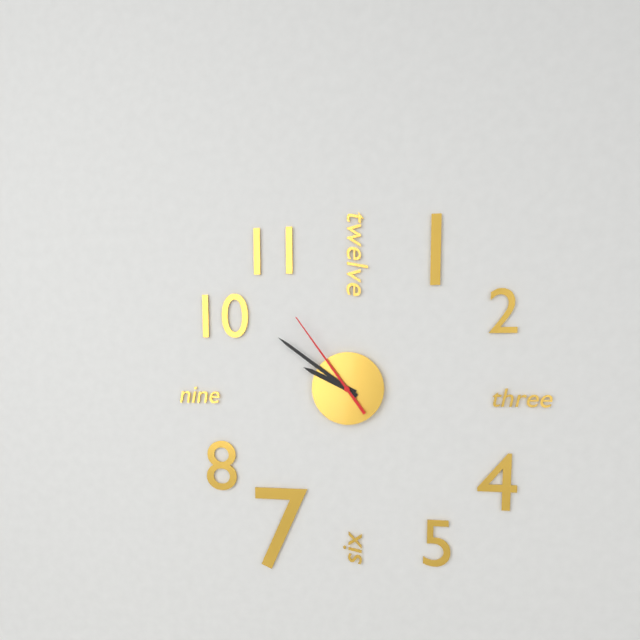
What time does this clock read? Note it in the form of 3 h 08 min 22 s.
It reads 9 h 51 min 54 s
